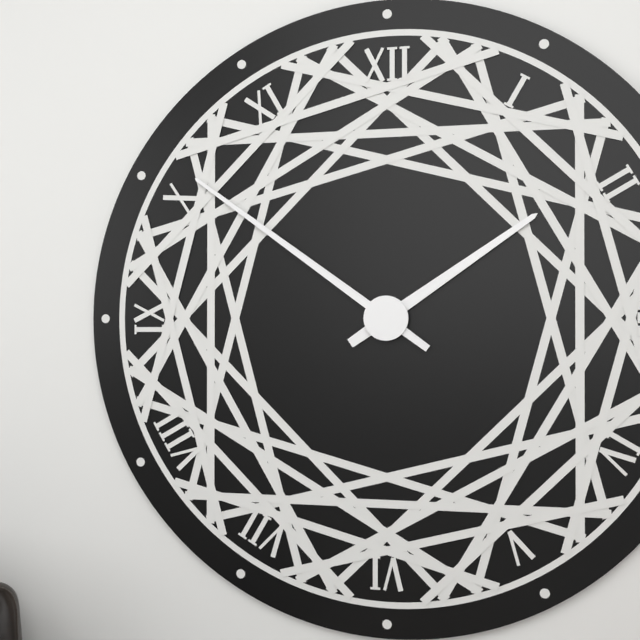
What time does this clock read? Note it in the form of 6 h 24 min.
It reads 1 h 51 min
